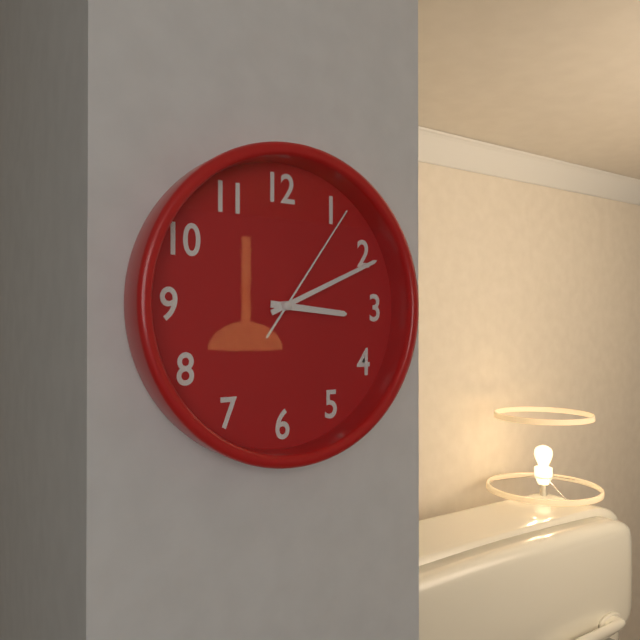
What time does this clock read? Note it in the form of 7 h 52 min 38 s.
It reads 3 h 11 min 06 s
